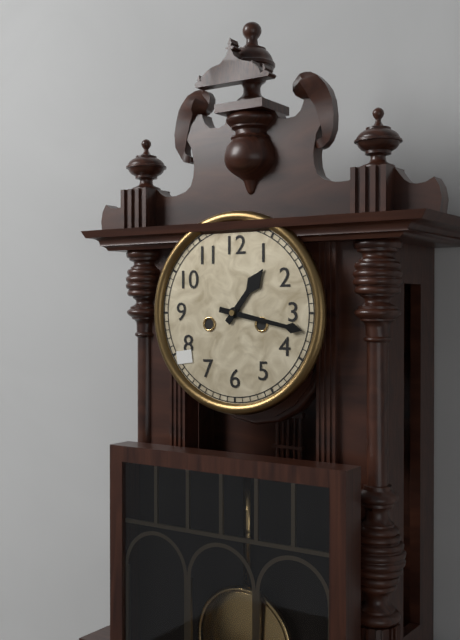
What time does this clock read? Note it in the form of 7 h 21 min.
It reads 1 h 17 min
